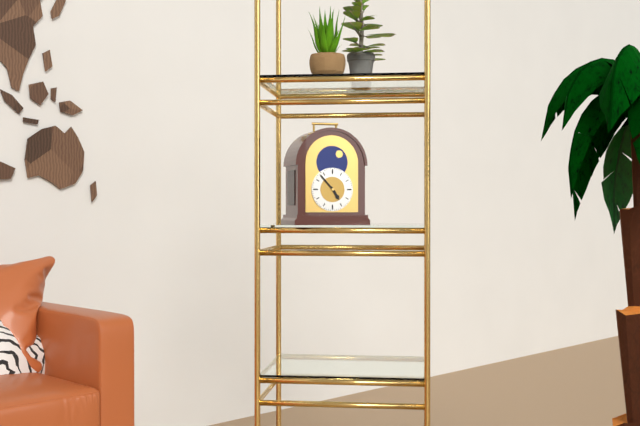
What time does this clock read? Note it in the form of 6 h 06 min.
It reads 4 h 53 min
